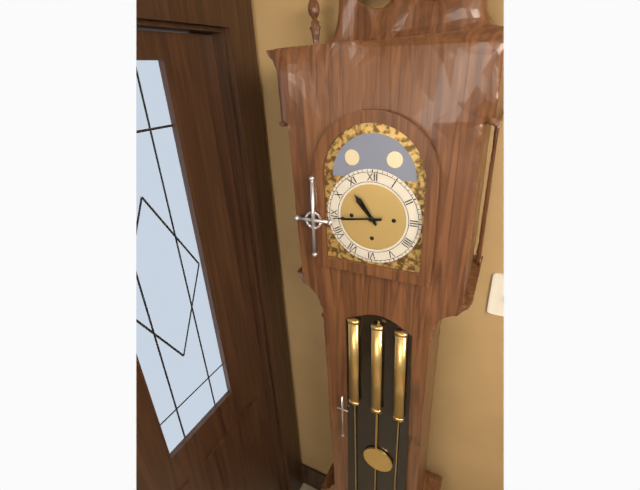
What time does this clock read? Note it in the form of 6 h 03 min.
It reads 10 h 44 min
